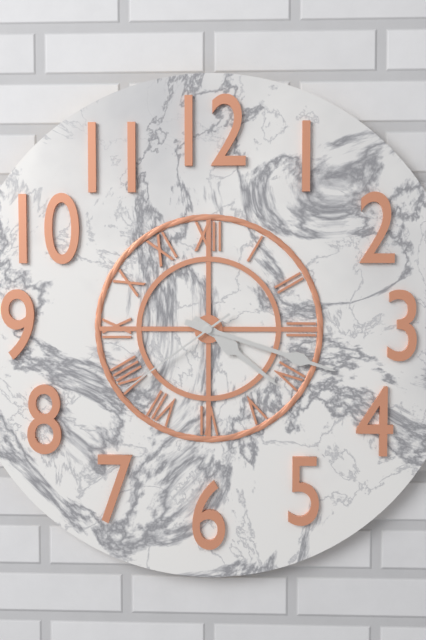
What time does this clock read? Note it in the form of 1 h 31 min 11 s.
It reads 4 h 18 min 39 s
